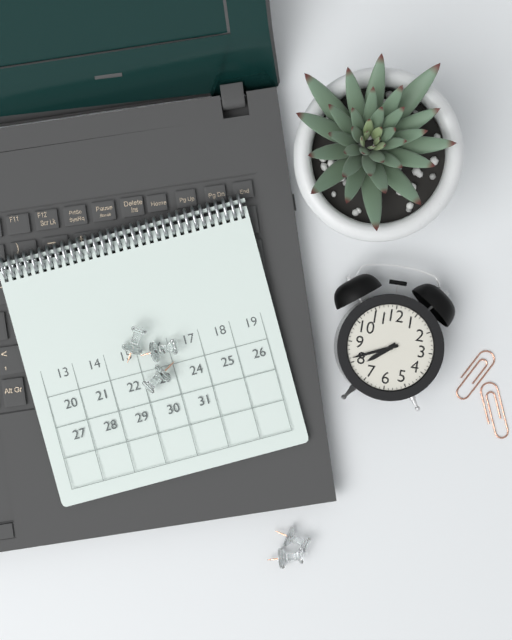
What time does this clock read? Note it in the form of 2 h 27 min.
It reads 7 h 41 min
